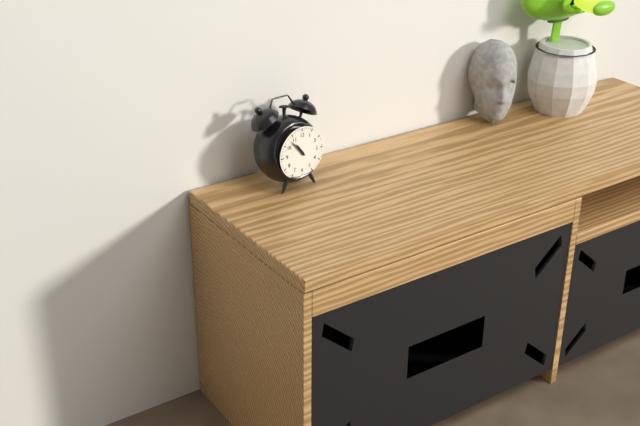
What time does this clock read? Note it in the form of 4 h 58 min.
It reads 10 h 53 min
